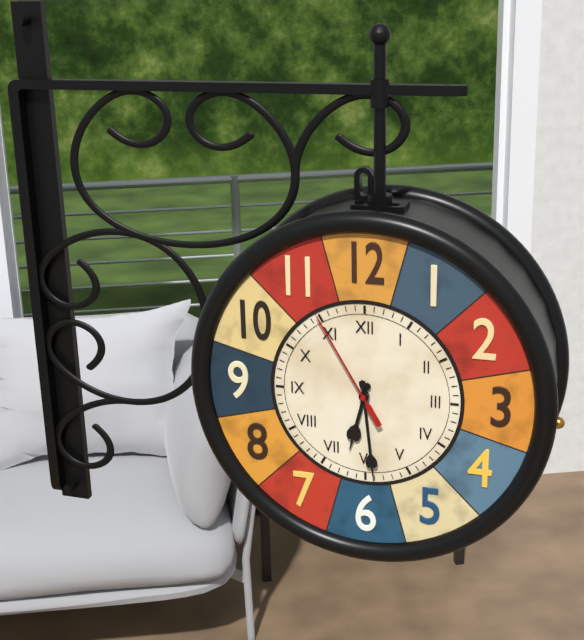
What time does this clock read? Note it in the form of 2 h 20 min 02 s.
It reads 6 h 29 min 55 s
